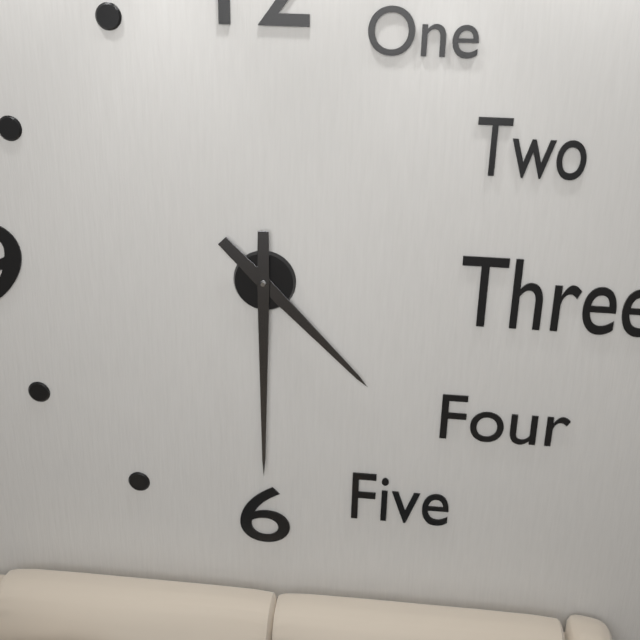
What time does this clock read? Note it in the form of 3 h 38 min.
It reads 4 h 30 min
